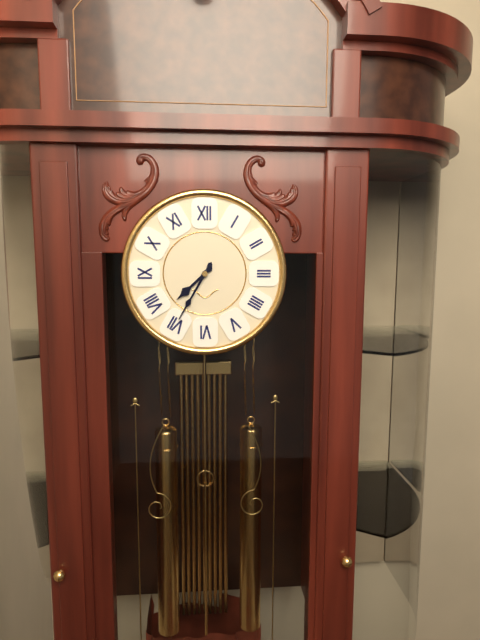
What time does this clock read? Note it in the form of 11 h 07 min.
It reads 7 h 35 min
